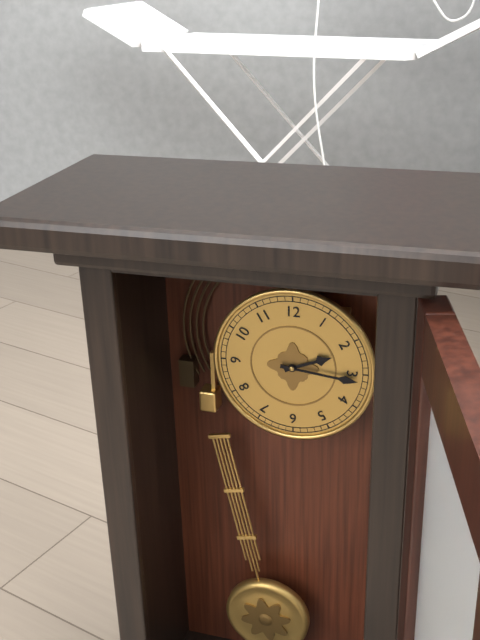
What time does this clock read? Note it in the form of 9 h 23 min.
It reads 2 h 16 min
